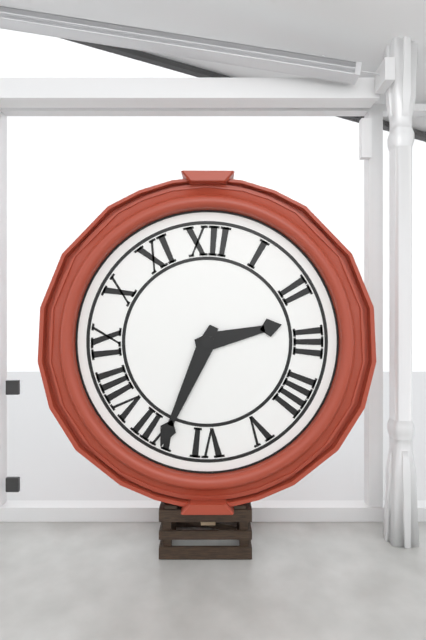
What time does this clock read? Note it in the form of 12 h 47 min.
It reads 2 h 34 min
